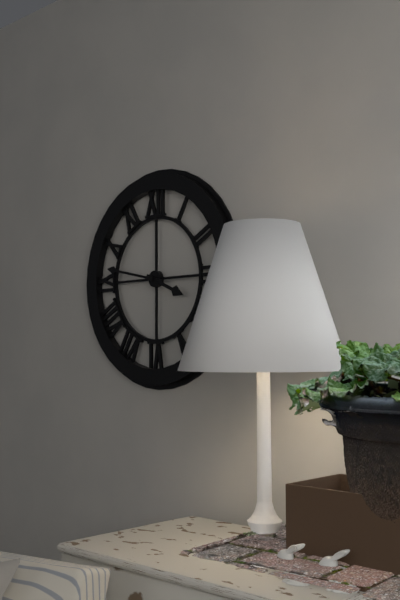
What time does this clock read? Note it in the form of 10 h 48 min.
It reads 3 h 47 min
